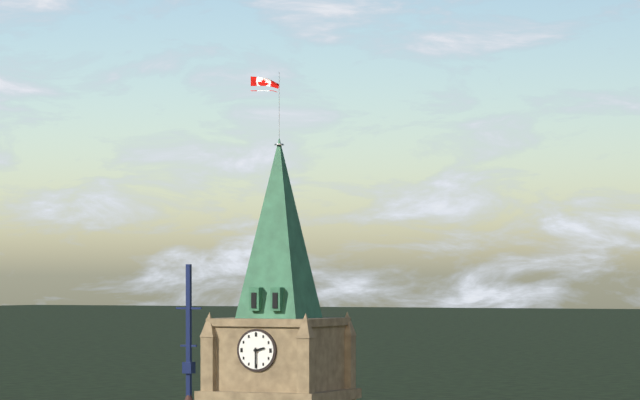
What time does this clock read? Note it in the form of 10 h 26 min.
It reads 2 h 30 min
